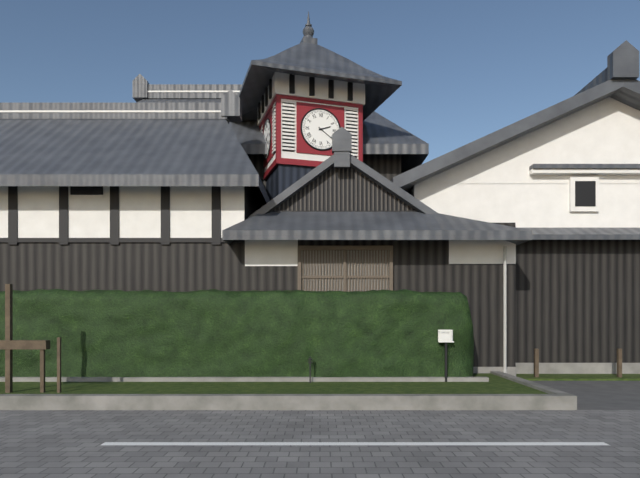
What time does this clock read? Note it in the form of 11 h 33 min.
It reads 2 h 21 min
